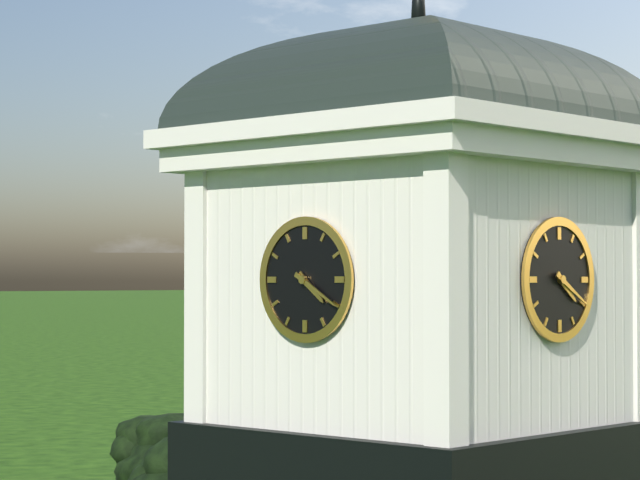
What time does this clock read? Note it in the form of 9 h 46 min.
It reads 4 h 20 min
